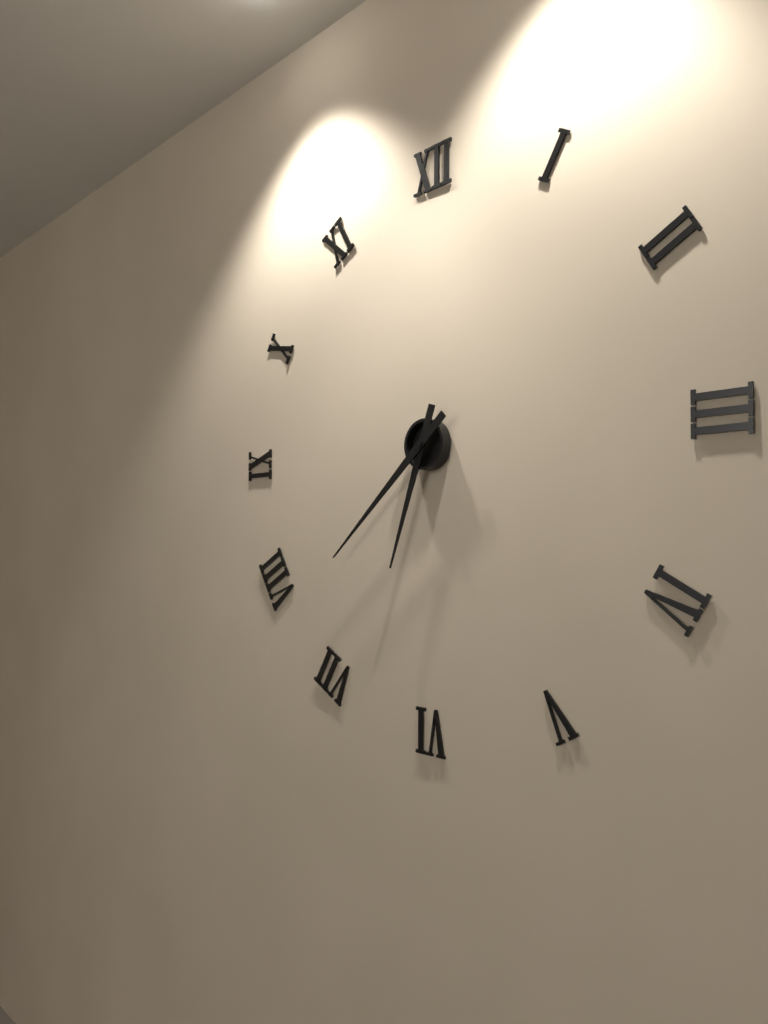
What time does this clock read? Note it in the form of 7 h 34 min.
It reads 6 h 38 min
